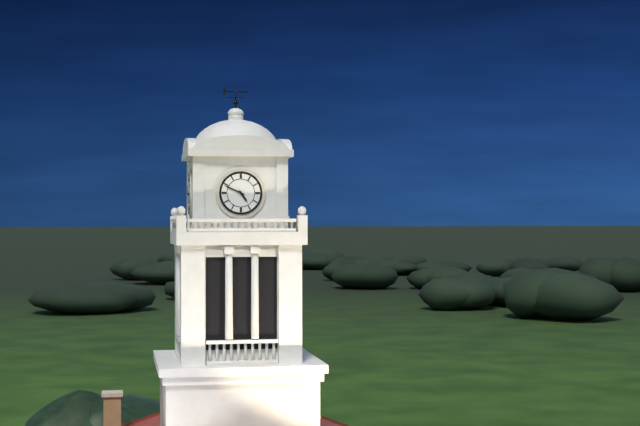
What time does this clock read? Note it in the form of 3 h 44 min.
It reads 4 h 49 min
